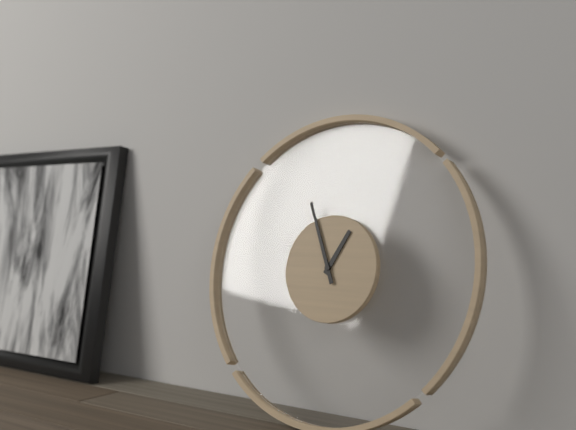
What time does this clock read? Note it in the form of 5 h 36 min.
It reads 12 h 56 min
